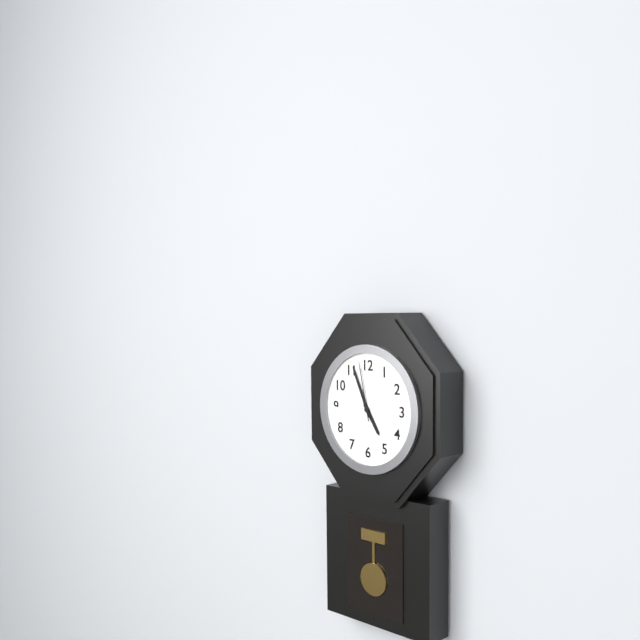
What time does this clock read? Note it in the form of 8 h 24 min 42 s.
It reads 4 h 56 min 58 s
